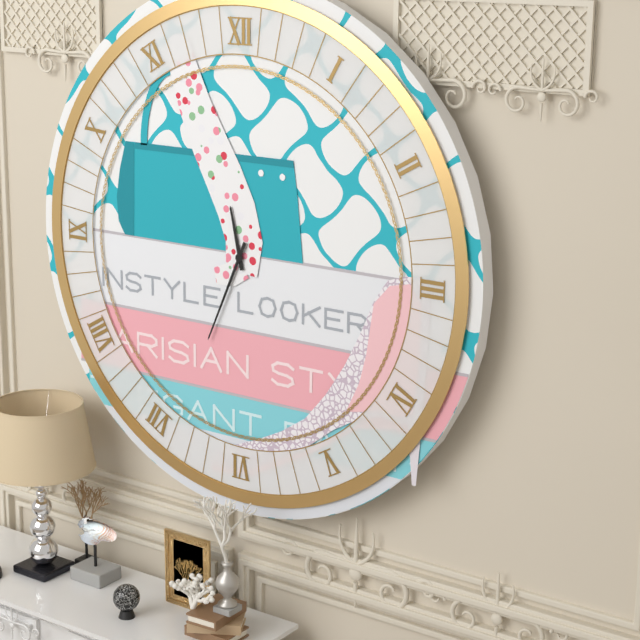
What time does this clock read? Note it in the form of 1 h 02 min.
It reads 11 h 34 min
